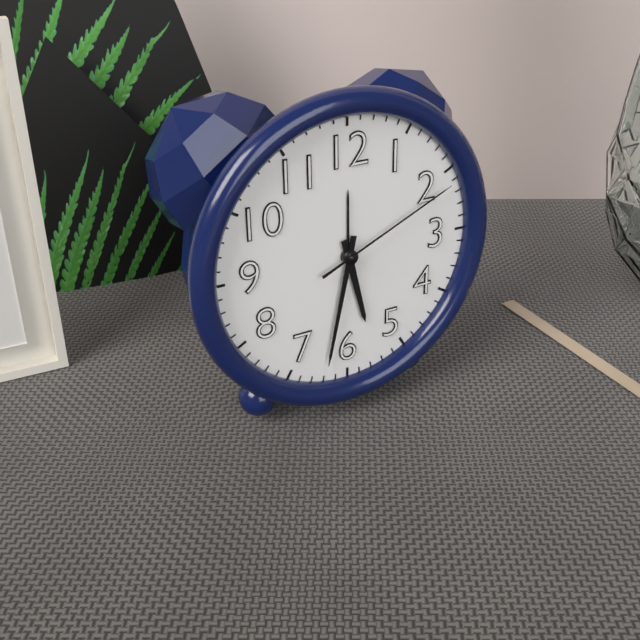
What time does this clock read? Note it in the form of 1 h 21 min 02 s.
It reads 5 h 32 min 11 s
